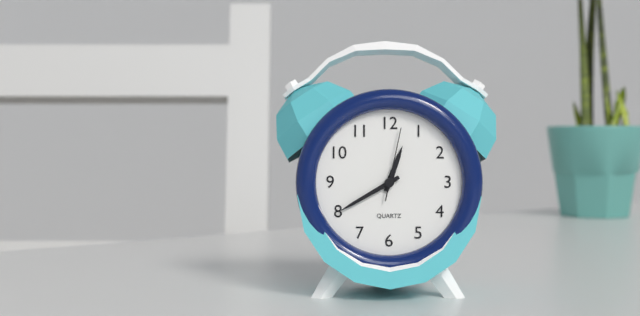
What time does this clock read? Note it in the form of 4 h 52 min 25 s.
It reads 12 h 40 min 02 s
